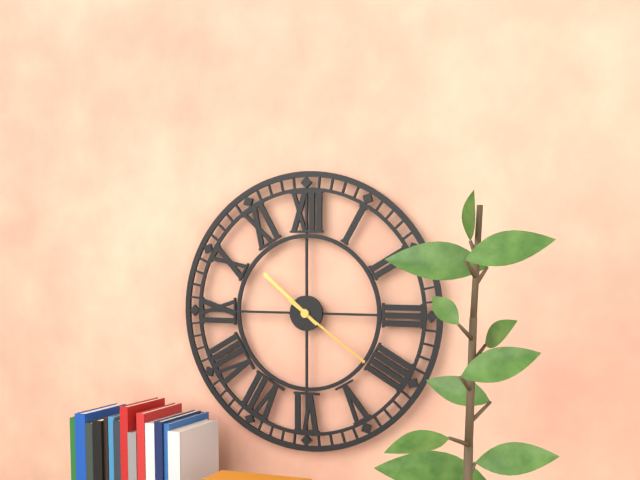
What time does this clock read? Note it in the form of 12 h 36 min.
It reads 10 h 21 min
